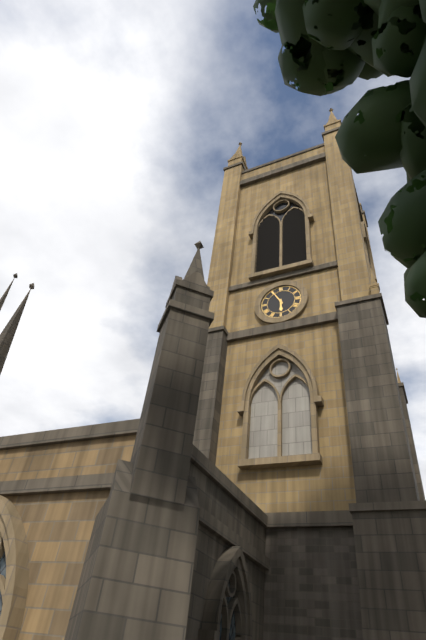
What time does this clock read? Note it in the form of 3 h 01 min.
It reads 5 h 55 min
